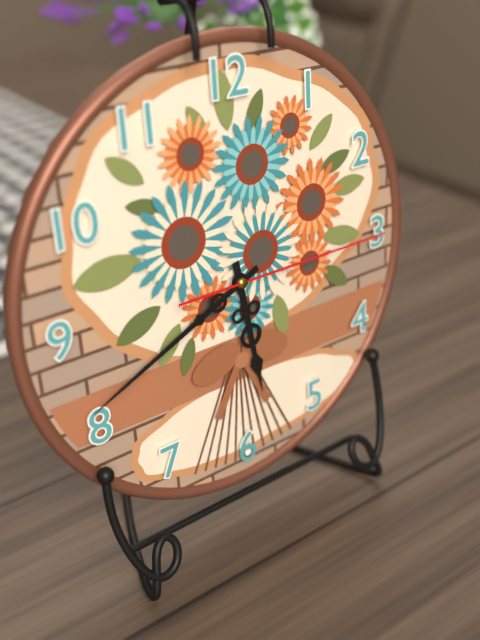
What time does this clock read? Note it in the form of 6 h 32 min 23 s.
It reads 5 h 41 min 15 s
